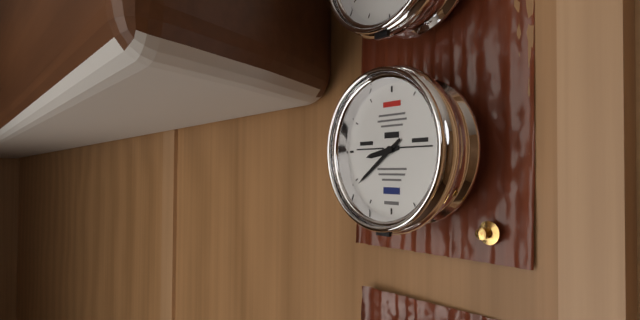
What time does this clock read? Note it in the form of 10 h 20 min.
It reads 8 h 39 min
